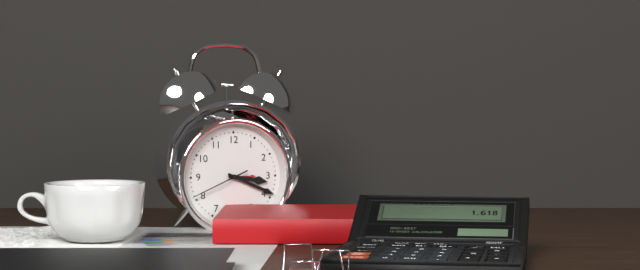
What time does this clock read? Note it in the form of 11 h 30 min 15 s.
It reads 3 h 19 min 41 s
